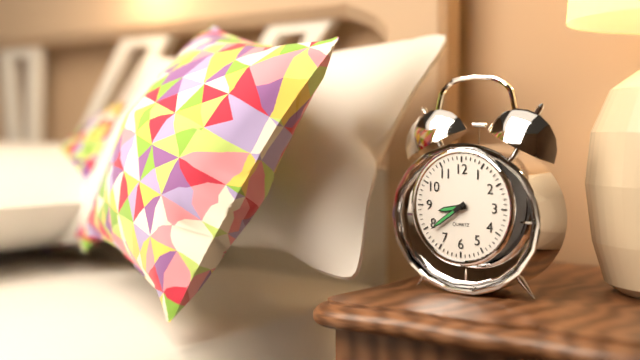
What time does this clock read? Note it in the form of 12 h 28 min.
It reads 8 h 39 min
